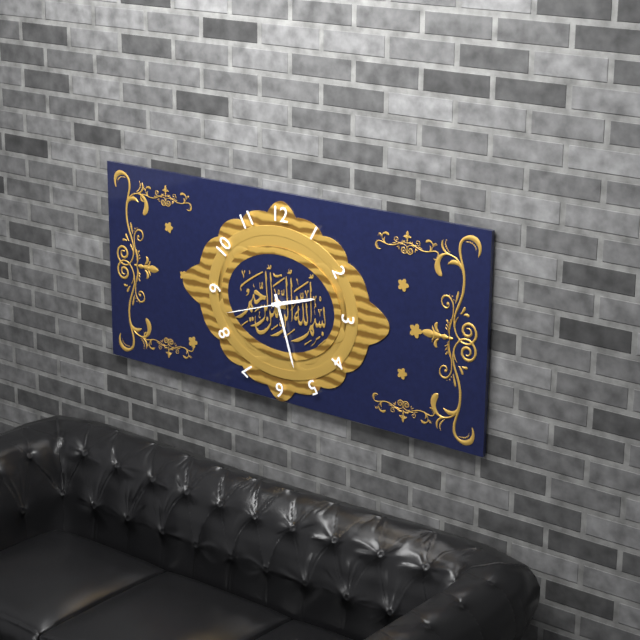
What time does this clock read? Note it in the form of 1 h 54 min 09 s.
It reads 2 h 27 min 42 s
